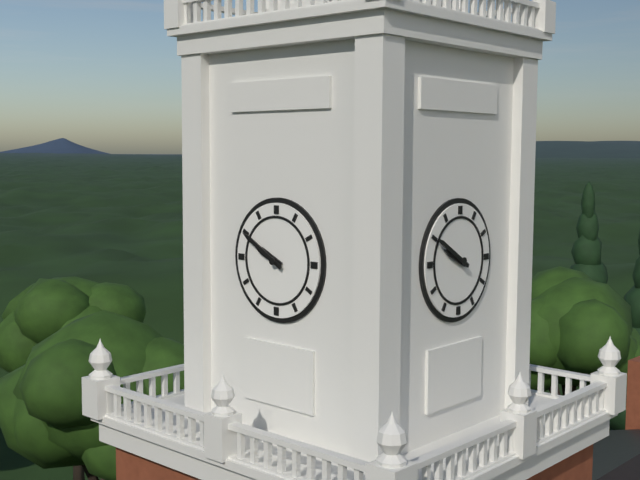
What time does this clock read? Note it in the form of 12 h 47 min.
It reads 9 h 50 min
